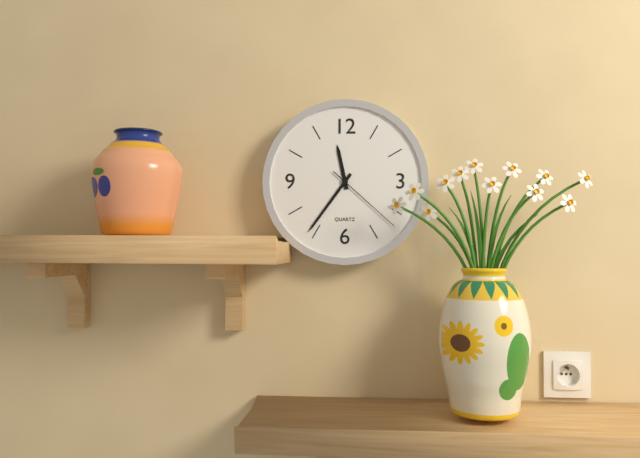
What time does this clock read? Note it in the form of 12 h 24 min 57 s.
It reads 11 h 36 min 22 s
